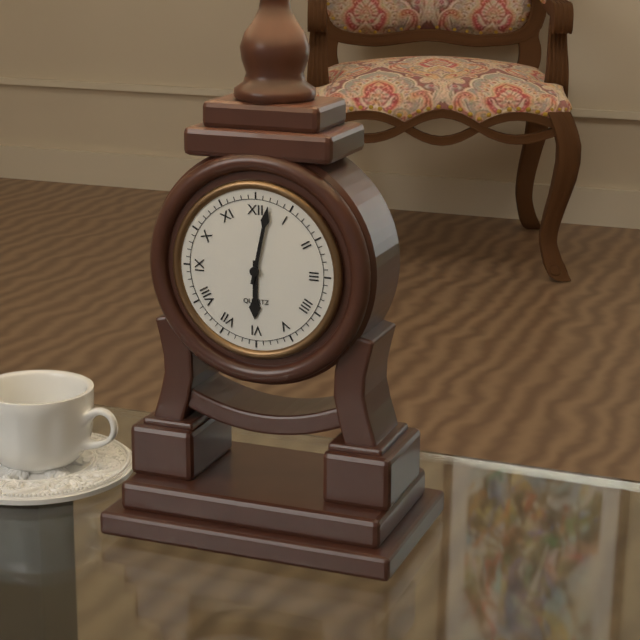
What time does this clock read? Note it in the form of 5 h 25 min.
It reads 6 h 02 min
